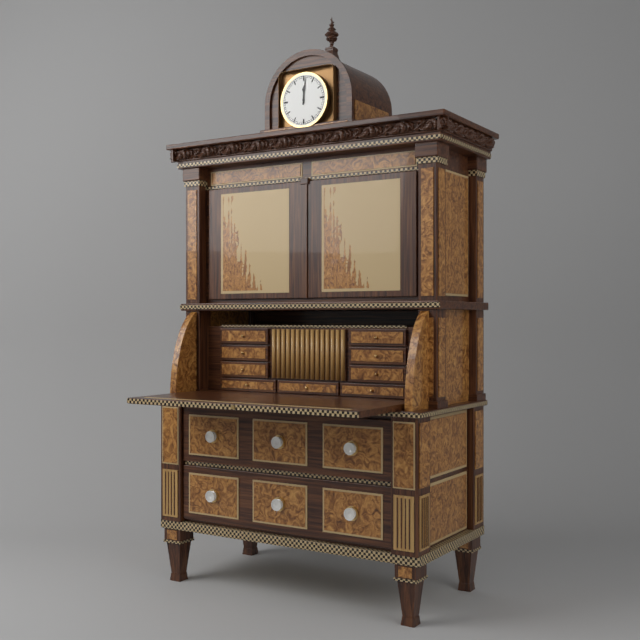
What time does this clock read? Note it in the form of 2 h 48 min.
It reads 12 h 01 min
